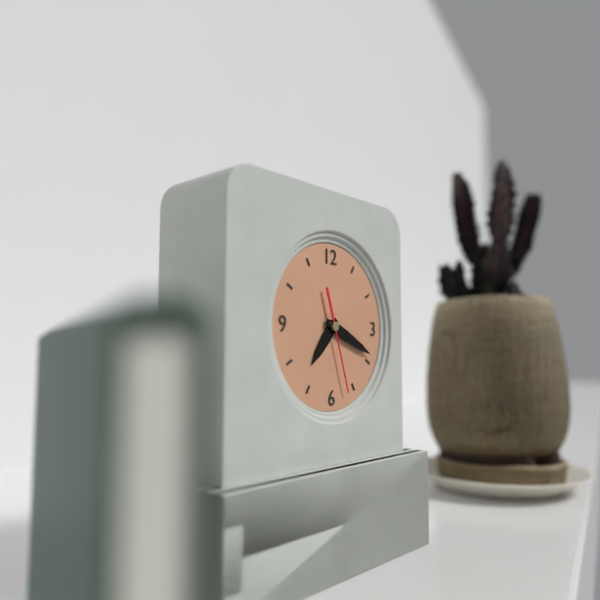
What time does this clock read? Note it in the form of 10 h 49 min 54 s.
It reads 7 h 19 min 27 s
